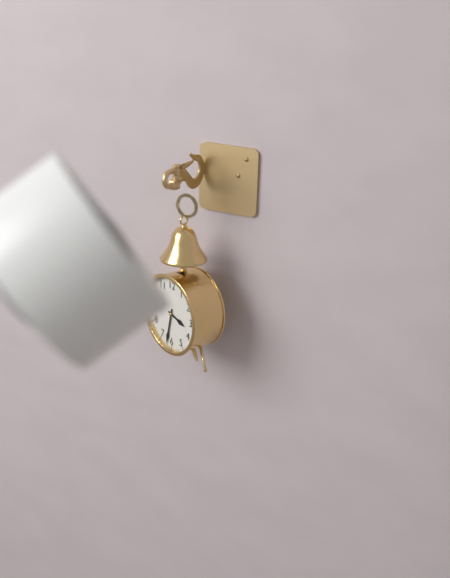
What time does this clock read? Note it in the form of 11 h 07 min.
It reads 3 h 32 min
